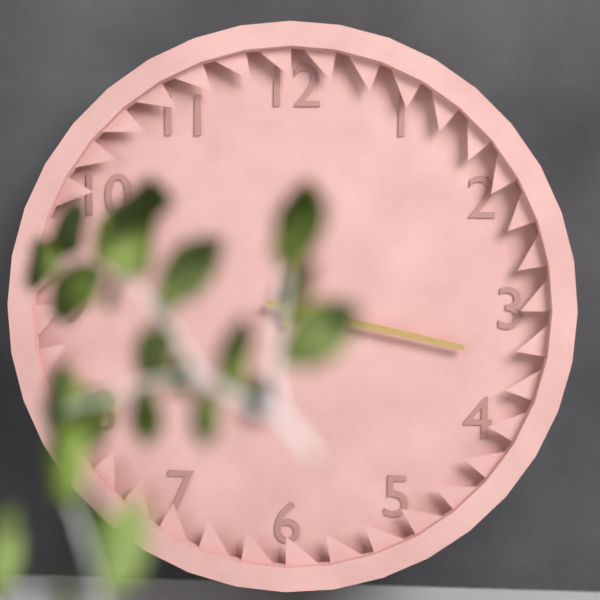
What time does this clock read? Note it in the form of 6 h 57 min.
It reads 12 h 17 min
